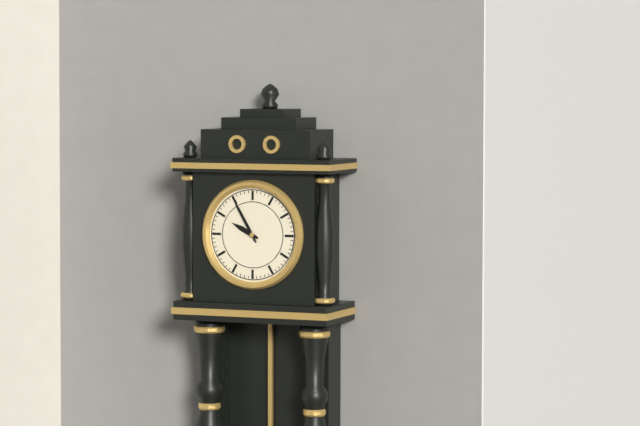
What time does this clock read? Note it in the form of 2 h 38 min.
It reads 9 h 55 min
